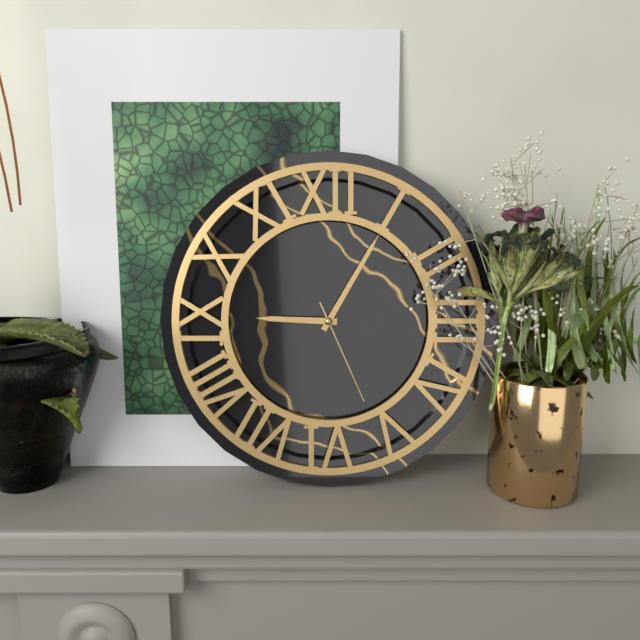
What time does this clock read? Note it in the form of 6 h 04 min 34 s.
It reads 9 h 05 min 26 s
